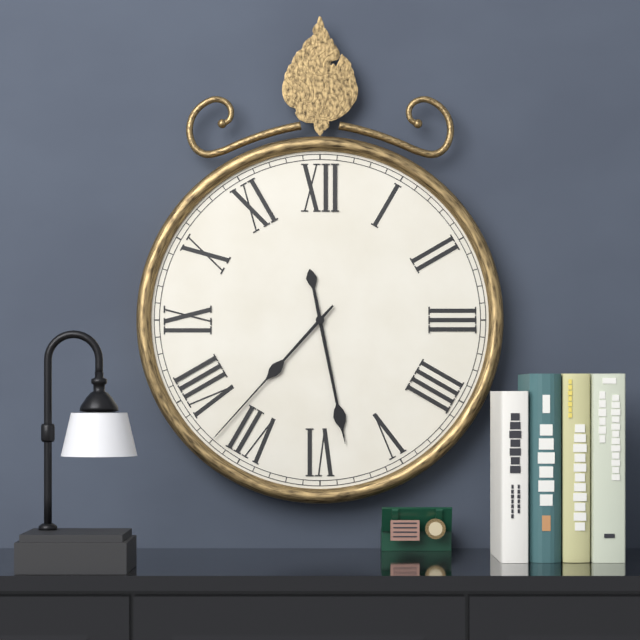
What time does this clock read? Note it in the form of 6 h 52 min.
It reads 5 h 37 min
